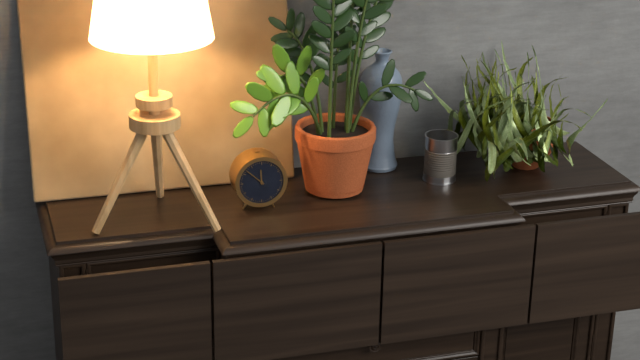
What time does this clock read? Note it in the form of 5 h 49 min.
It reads 11 h 52 min
